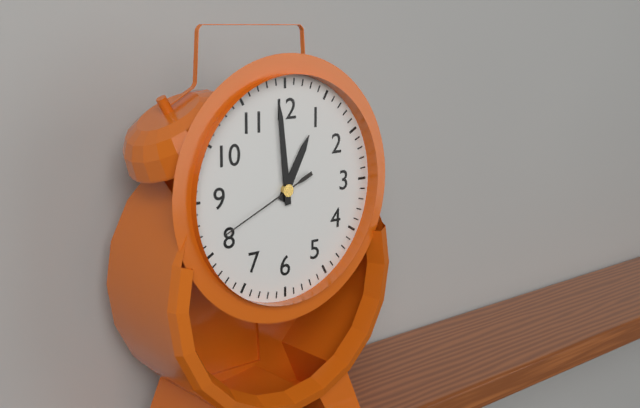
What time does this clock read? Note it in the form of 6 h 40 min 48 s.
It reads 12 h 59 min 41 s
